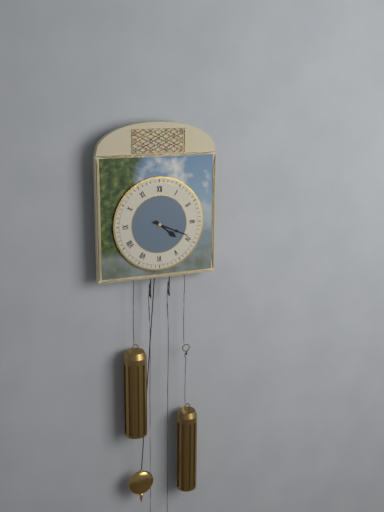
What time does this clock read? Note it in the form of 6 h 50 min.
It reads 4 h 19 min
